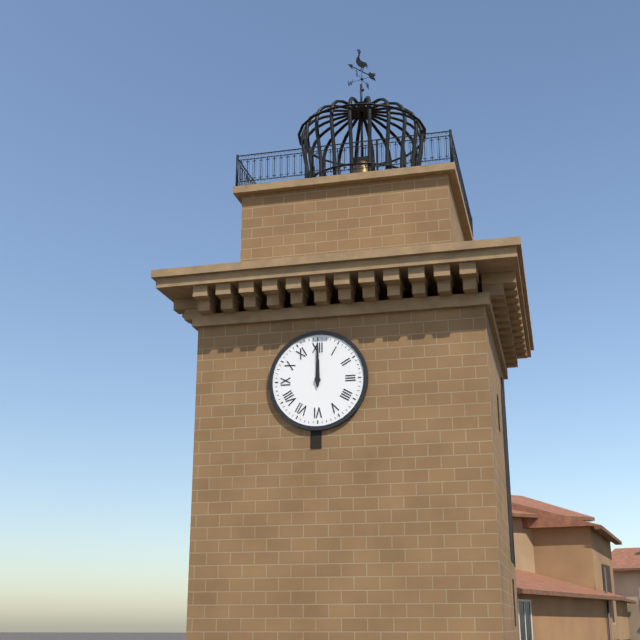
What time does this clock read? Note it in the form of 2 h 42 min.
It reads 12 h 00 min
